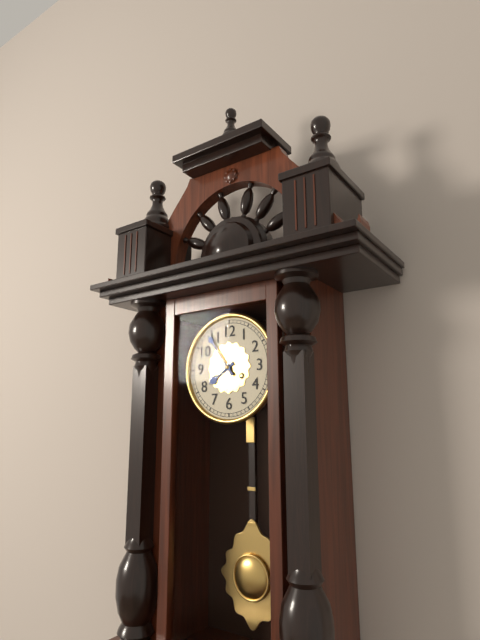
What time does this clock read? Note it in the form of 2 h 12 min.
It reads 7 h 54 min
